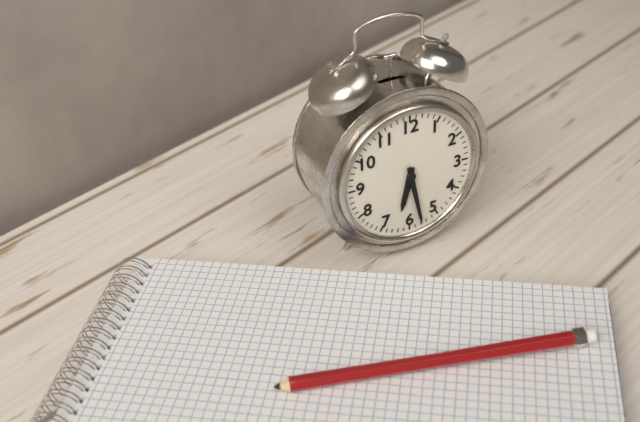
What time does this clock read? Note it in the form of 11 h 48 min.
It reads 6 h 28 min
